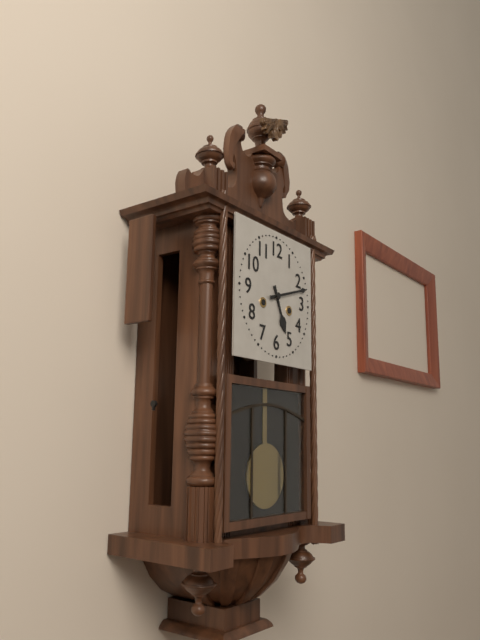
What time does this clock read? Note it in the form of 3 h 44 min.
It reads 5 h 12 min
